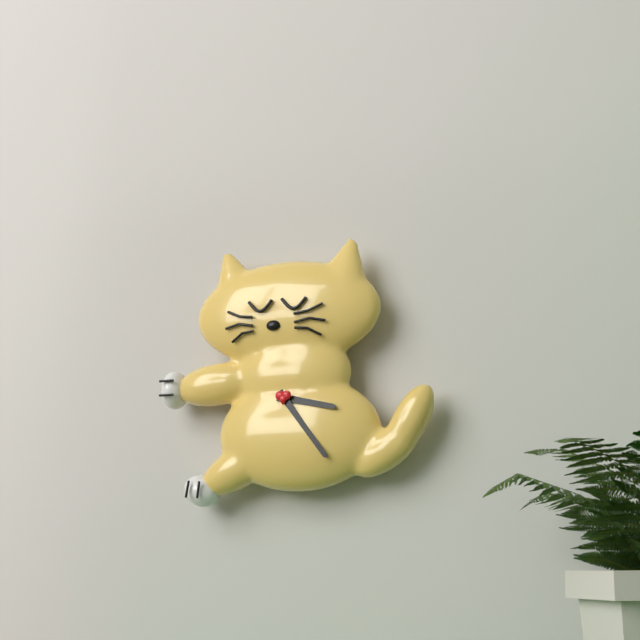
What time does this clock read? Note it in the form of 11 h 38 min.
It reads 3 h 24 min
